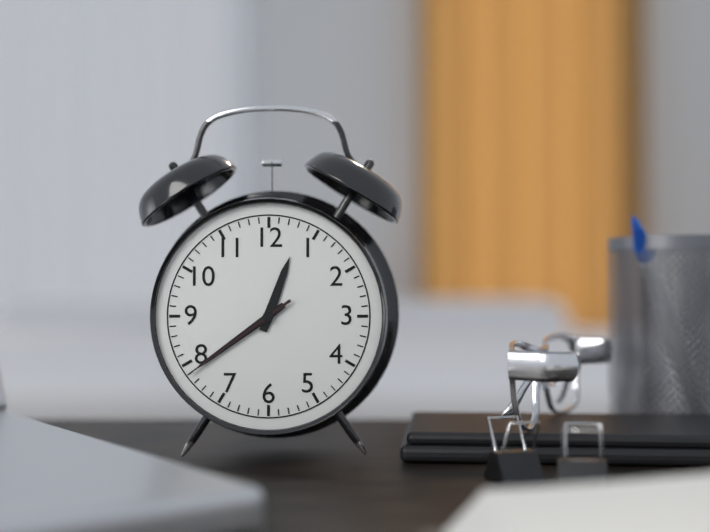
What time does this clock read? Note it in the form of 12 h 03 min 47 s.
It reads 12 h 39 min 39 s
